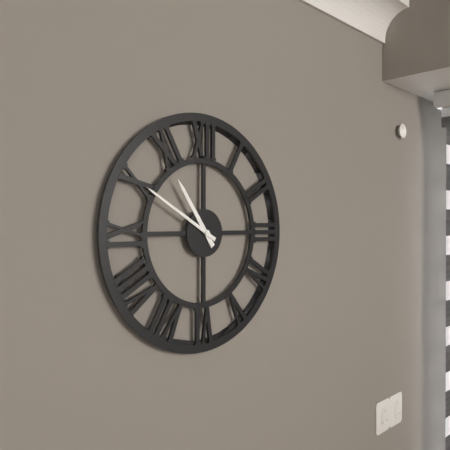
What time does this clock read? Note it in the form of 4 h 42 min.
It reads 10 h 50 min
